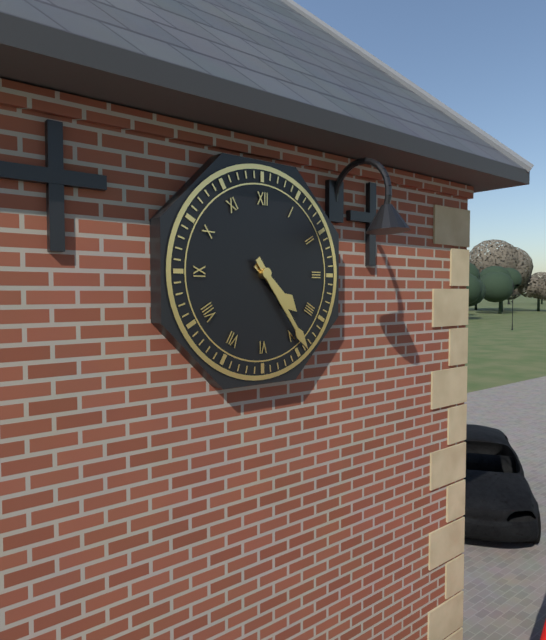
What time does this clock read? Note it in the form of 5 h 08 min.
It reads 4 h 24 min
